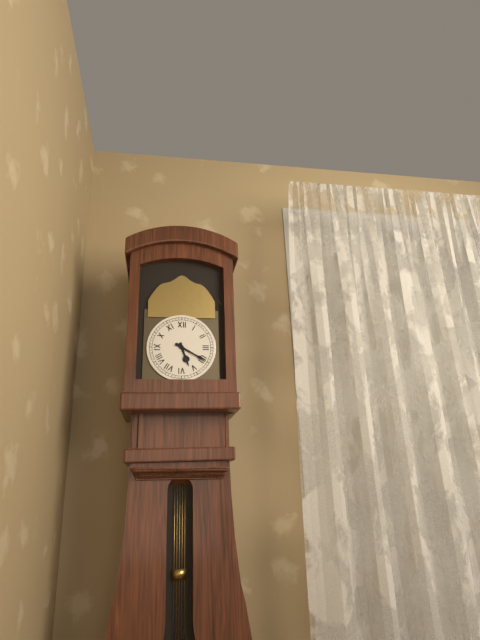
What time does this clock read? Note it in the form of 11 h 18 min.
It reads 5 h 20 min
